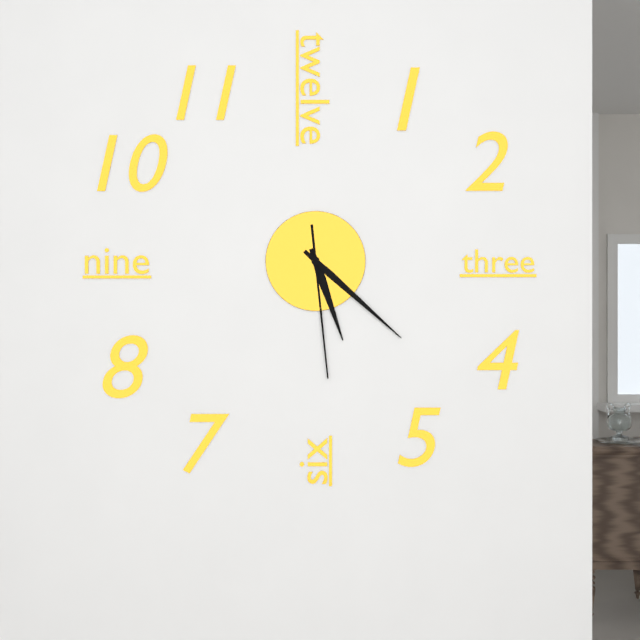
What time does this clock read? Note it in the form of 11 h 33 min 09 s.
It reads 5 h 22 min 29 s
